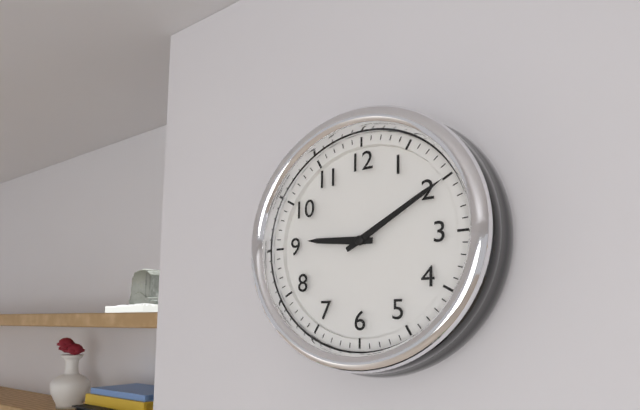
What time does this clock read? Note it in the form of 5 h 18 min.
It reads 9 h 10 min
